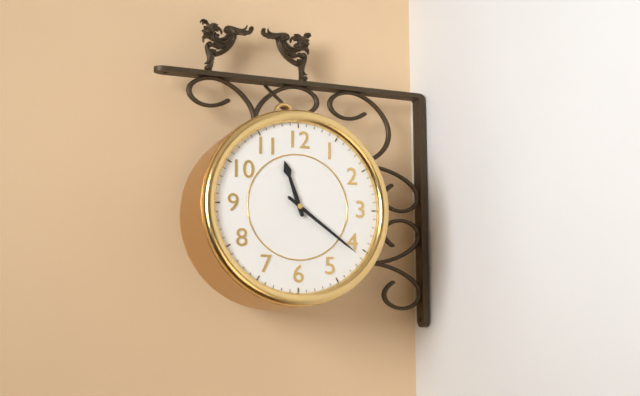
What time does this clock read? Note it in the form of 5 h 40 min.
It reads 11 h 21 min
